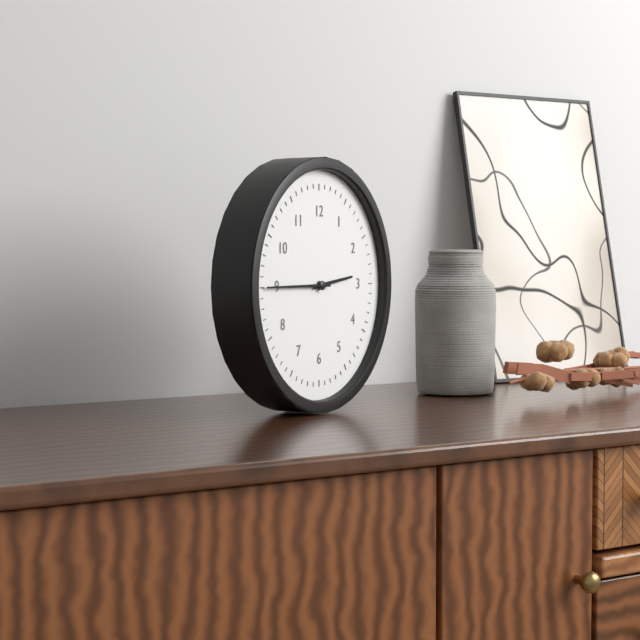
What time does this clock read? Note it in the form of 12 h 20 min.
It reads 2 h 45 min
